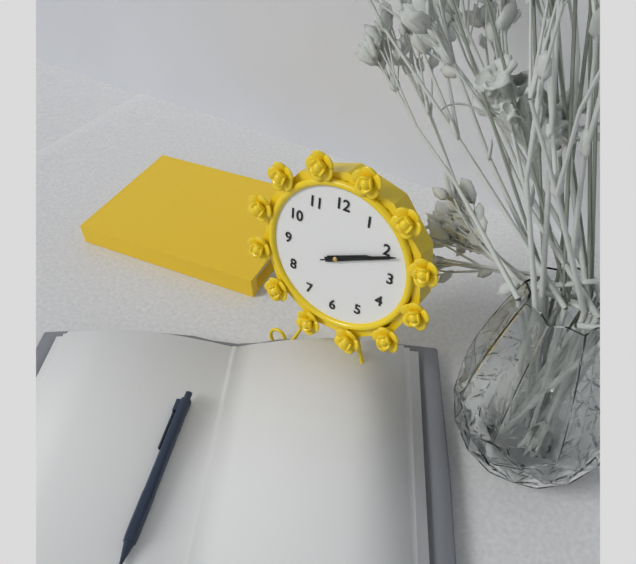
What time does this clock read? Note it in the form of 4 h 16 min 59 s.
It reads 2 h 11 min 11 s
